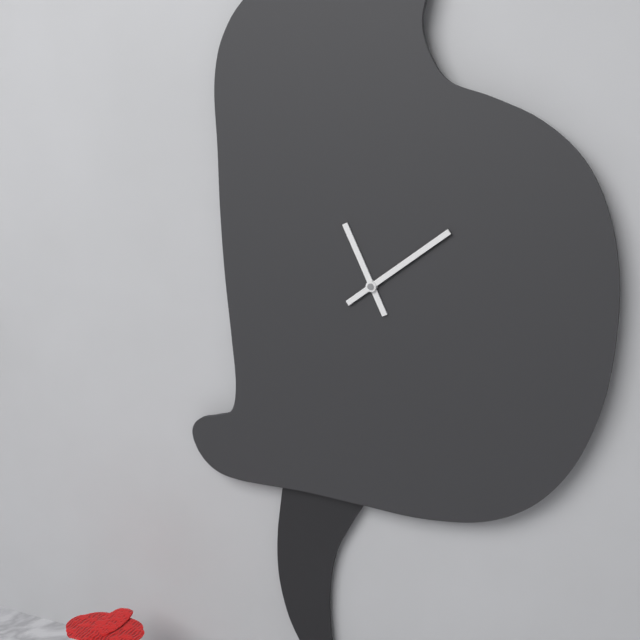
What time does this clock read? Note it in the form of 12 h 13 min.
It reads 11 h 09 min
